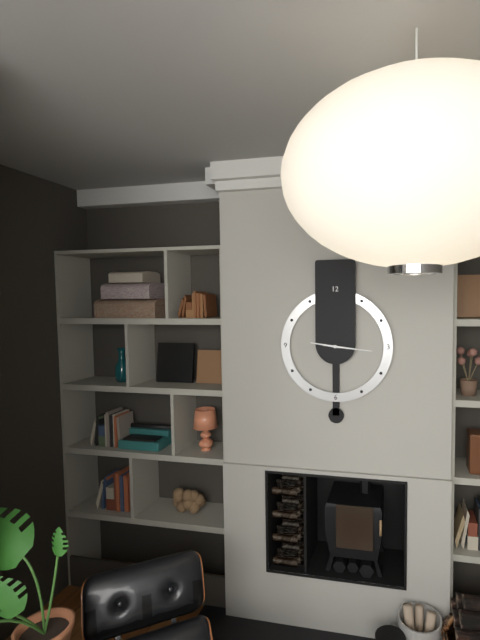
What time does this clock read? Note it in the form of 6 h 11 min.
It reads 9 h 16 min
